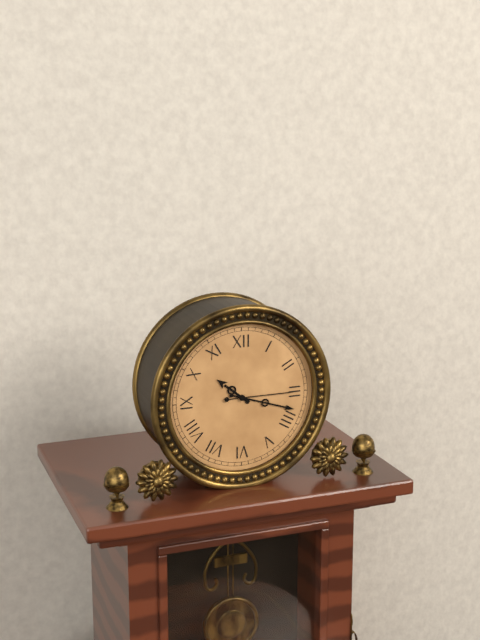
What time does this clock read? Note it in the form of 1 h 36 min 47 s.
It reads 10 h 18 min 15 s
